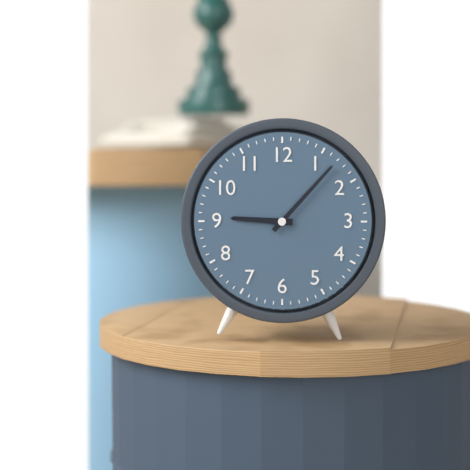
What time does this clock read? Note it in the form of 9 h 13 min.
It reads 9 h 07 min
